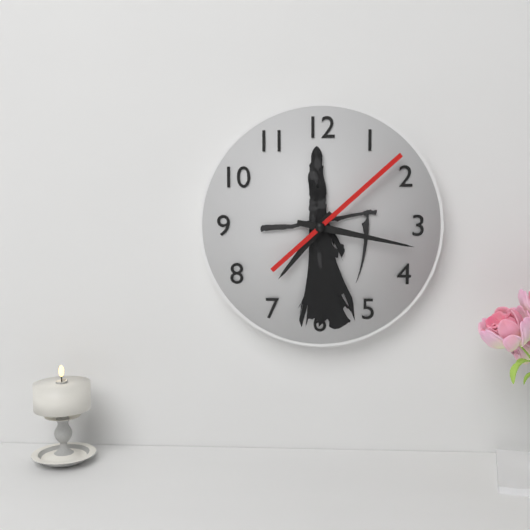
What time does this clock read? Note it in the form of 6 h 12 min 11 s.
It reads 7 h 17 min 08 s
